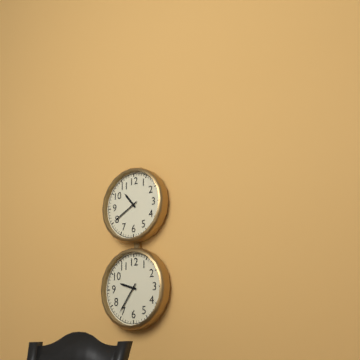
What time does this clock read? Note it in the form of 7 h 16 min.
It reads 10 h 40 min
